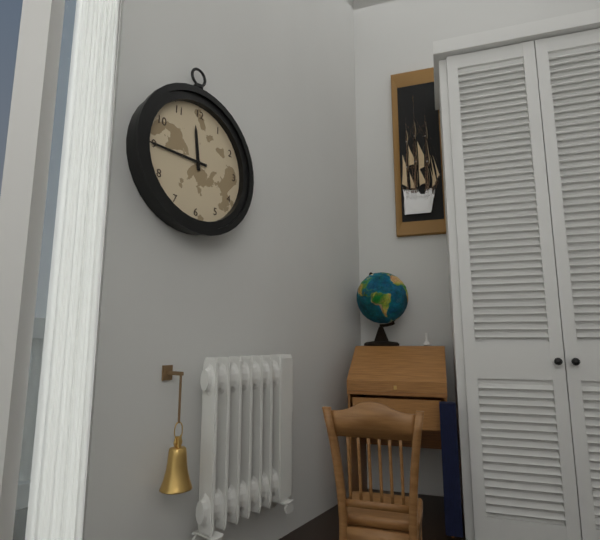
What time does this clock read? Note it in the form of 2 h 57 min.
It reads 11 h 45 min
